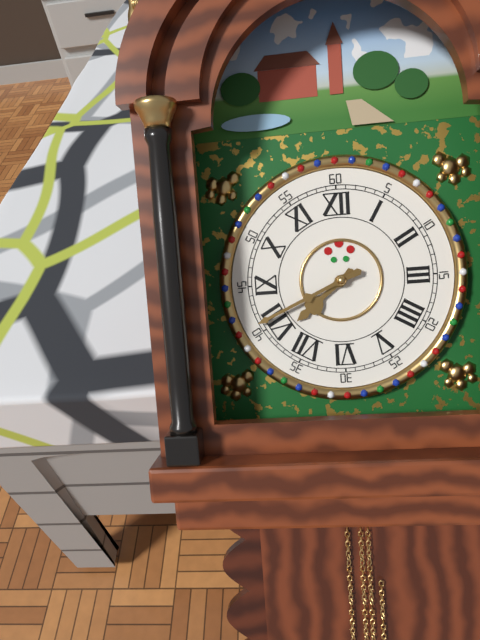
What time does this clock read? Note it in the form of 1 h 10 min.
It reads 7 h 41 min
